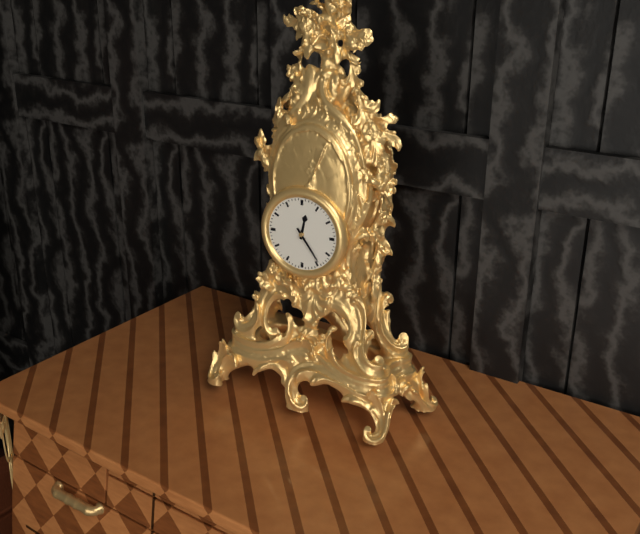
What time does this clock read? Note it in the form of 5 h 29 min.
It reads 12 h 24 min
